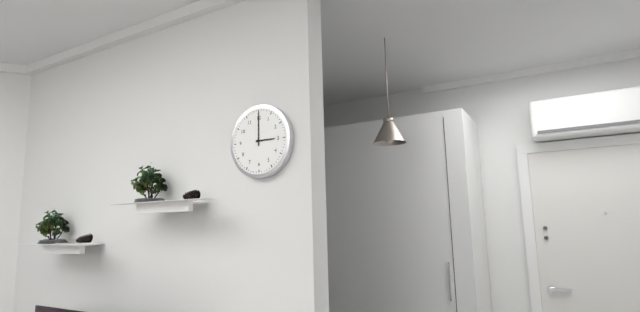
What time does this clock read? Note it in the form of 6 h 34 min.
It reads 3 h 00 min
